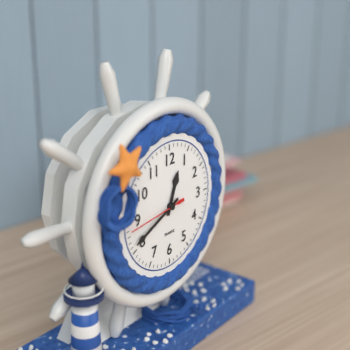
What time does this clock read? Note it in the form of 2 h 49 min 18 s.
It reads 12 h 41 min 44 s
